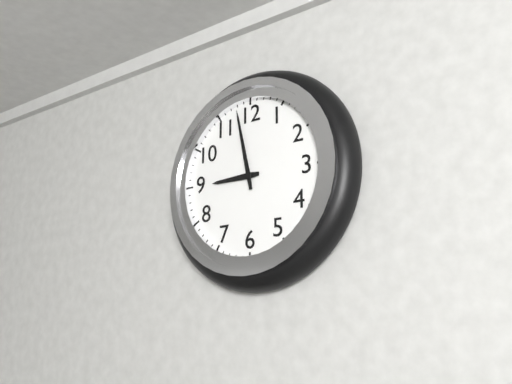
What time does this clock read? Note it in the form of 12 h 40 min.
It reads 8 h 58 min
